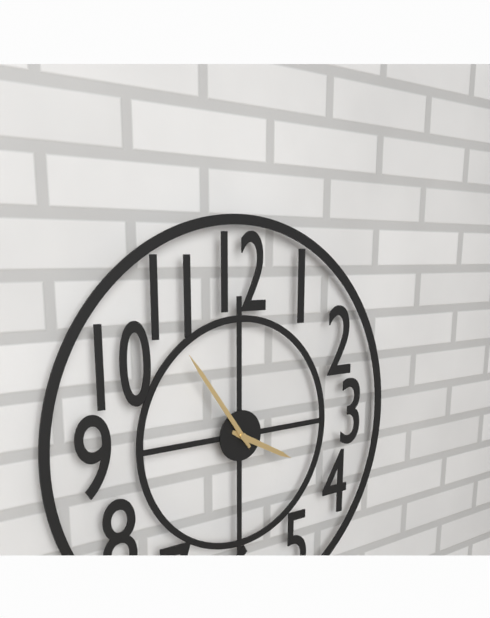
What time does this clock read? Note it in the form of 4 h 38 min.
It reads 3 h 54 min
